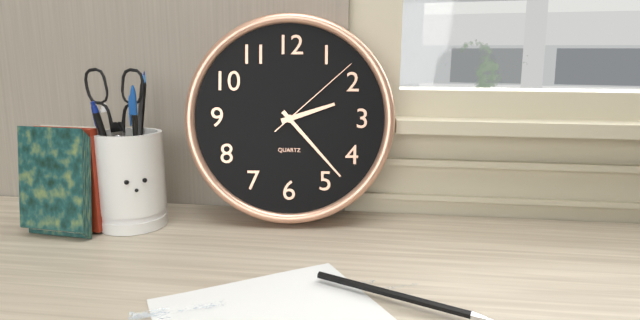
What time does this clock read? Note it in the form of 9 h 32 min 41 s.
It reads 2 h 23 min 08 s
